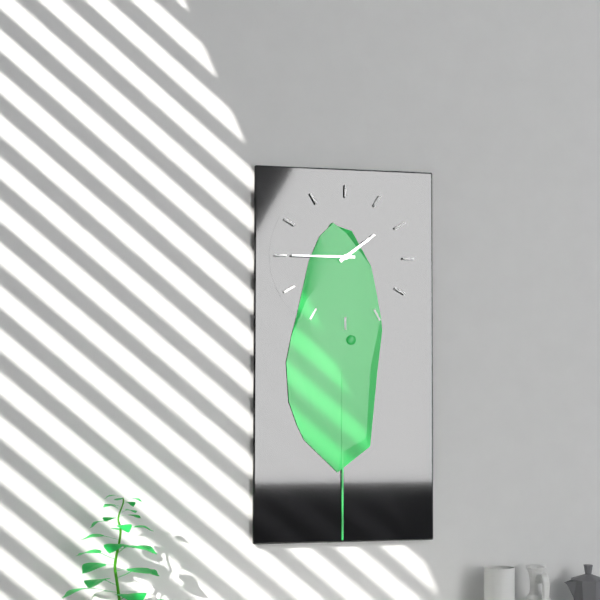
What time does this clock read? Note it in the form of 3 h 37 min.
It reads 1 h 45 min
